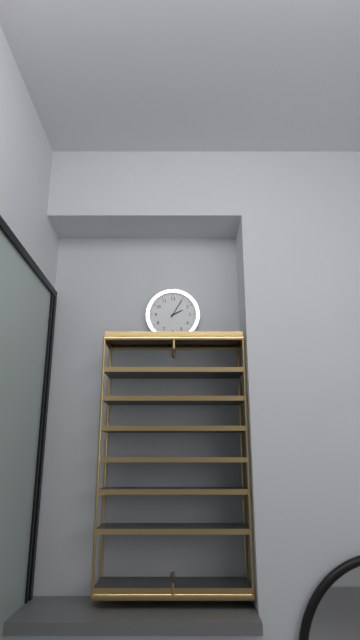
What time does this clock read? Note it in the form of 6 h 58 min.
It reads 2 h 05 min
